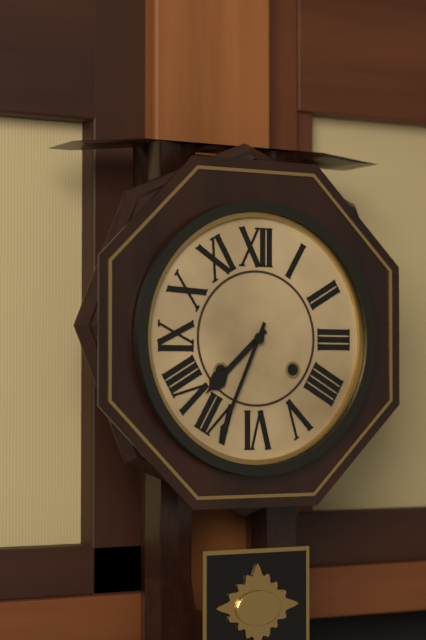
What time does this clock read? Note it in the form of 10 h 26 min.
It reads 7 h 34 min
